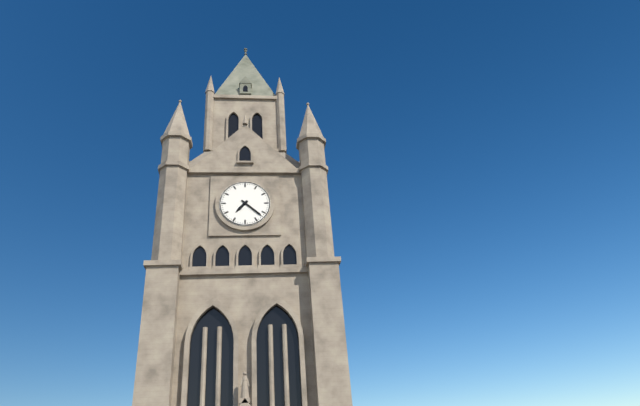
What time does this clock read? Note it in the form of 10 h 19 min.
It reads 7 h 22 min
